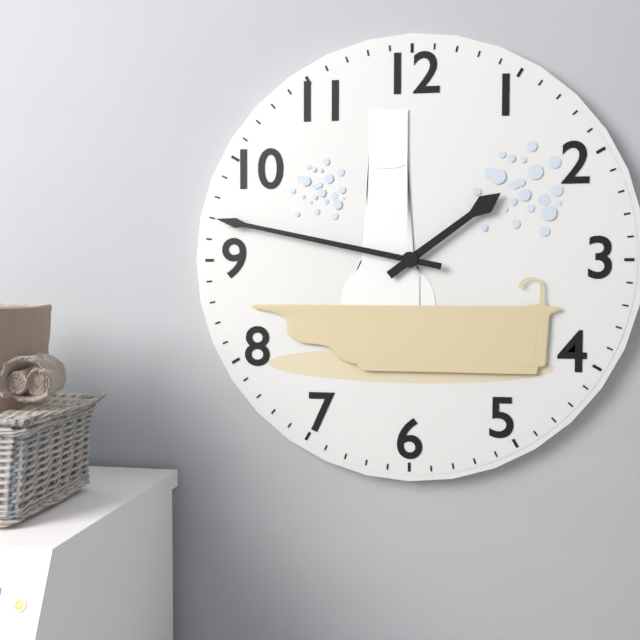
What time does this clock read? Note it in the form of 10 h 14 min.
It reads 1 h 47 min
